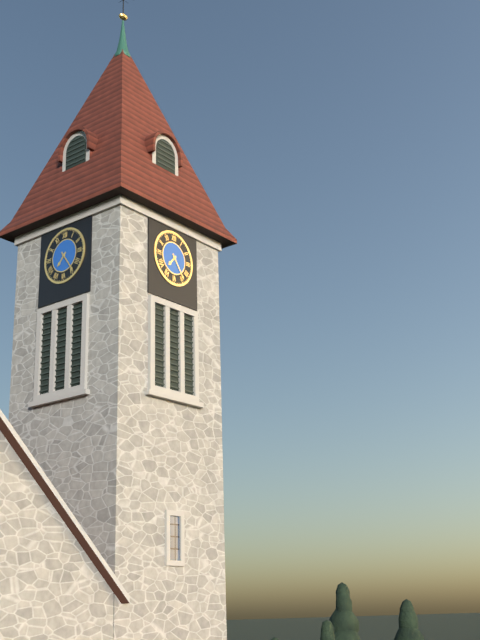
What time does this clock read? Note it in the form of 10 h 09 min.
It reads 7 h 24 min
